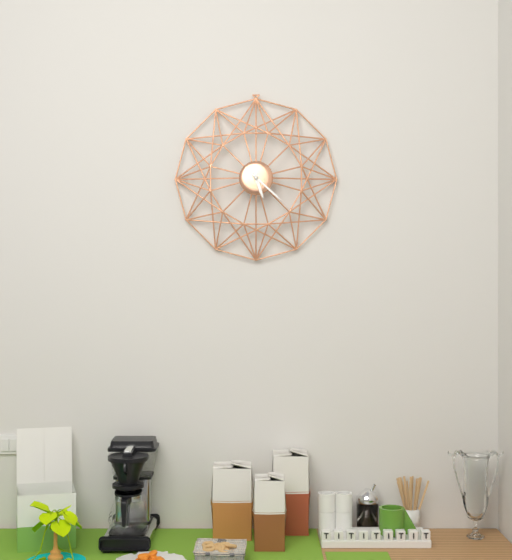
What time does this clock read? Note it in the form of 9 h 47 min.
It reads 5 h 22 min
